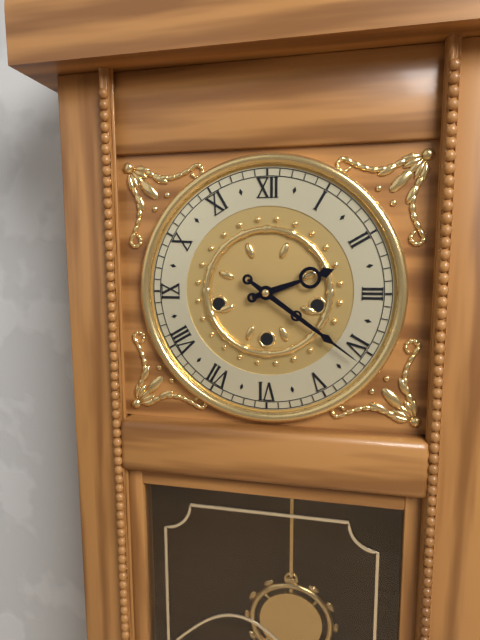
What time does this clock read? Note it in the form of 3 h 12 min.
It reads 2 h 21 min
